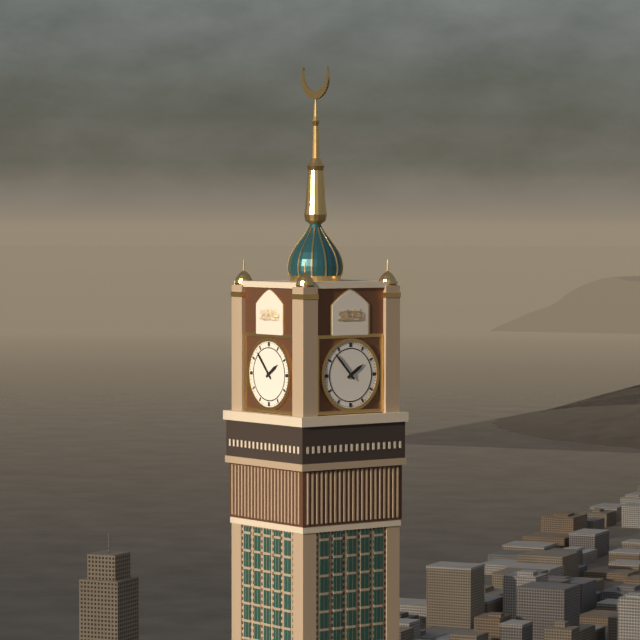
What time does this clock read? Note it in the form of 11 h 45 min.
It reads 1 h 53 min
